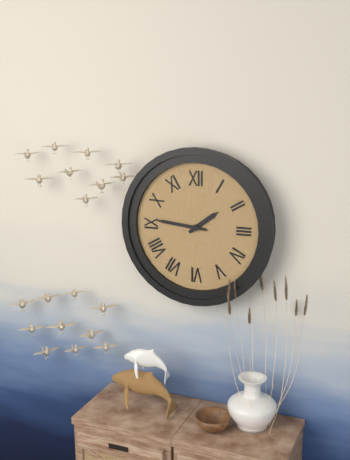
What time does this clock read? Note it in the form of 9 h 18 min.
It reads 1 h 46 min
